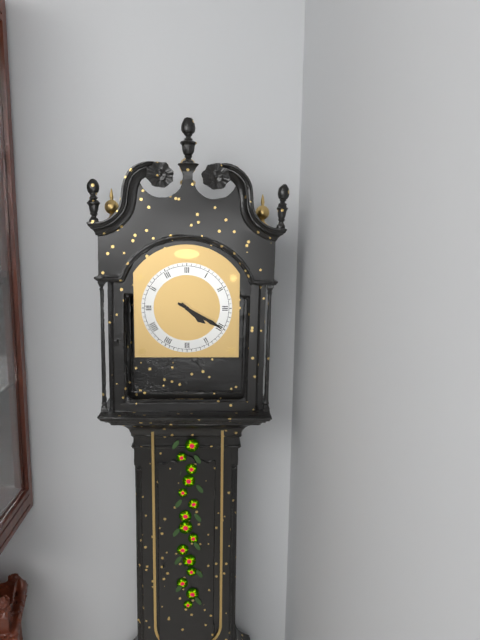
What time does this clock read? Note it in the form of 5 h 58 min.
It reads 4 h 20 min
